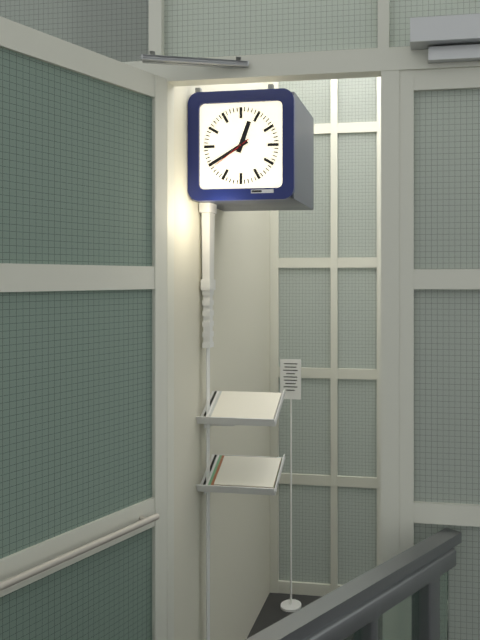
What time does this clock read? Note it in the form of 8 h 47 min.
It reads 12 h 40 min
